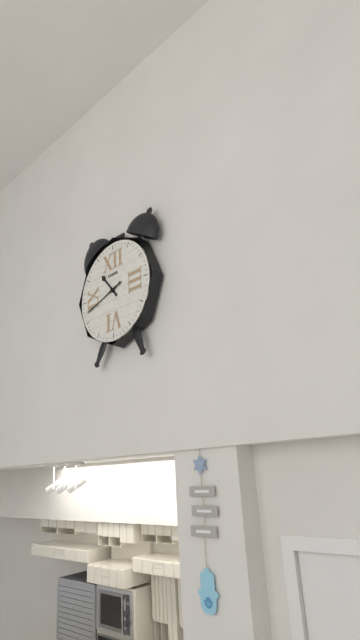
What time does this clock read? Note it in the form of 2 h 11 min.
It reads 10 h 42 min
